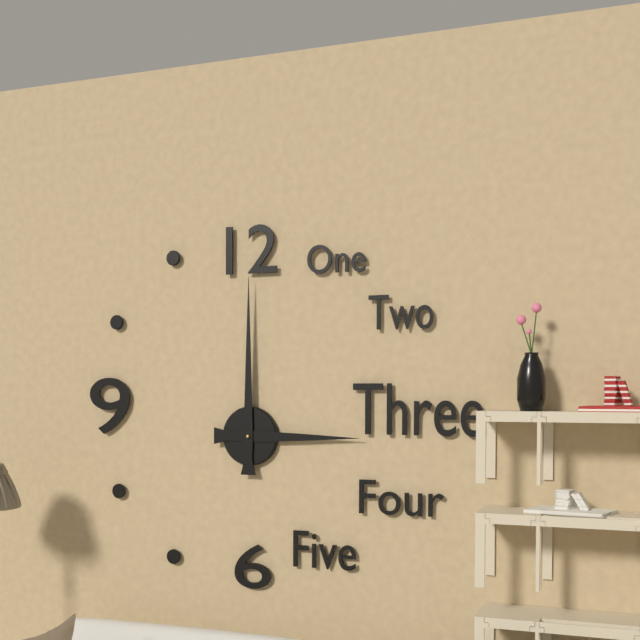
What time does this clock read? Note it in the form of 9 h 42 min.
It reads 3 h 00 min
